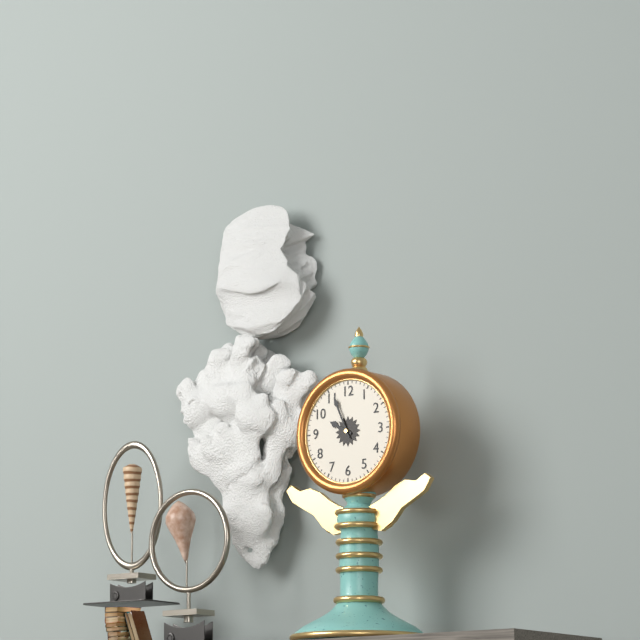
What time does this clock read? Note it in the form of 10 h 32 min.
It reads 9 h 56 min
